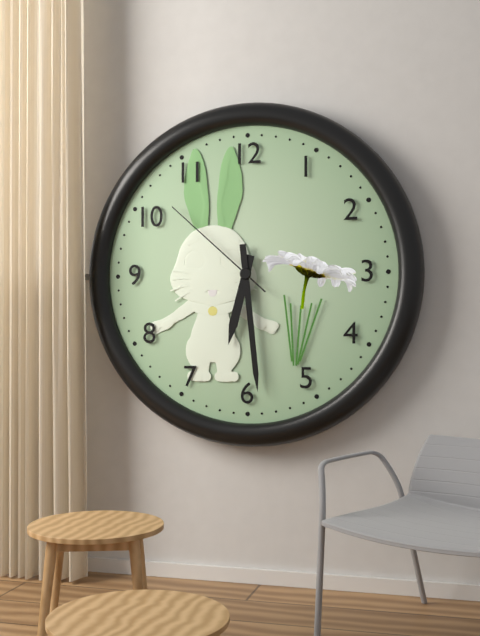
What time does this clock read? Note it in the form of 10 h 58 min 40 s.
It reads 6 h 29 min 52 s
